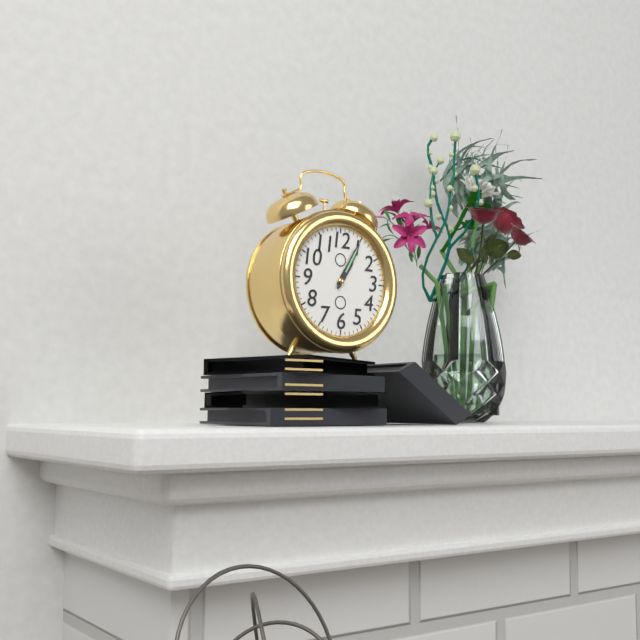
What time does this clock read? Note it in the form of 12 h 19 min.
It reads 1 h 05 min
